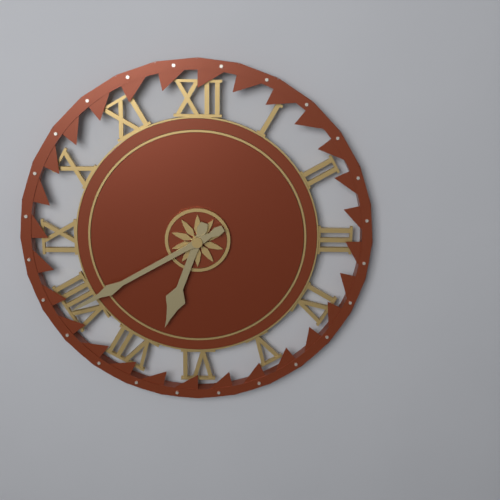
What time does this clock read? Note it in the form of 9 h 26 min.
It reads 6 h 40 min
